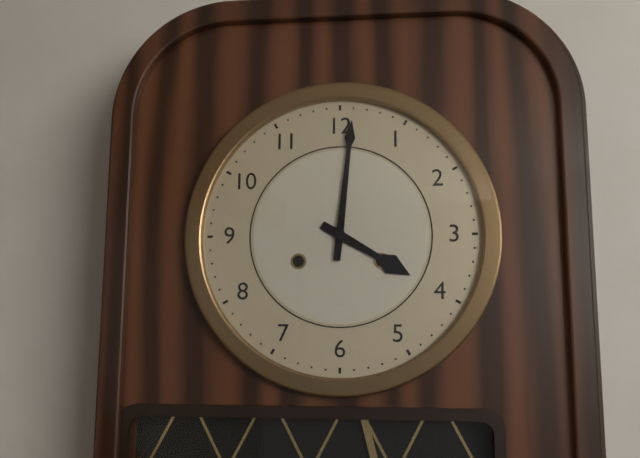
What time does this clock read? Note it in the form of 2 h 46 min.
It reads 4 h 01 min
